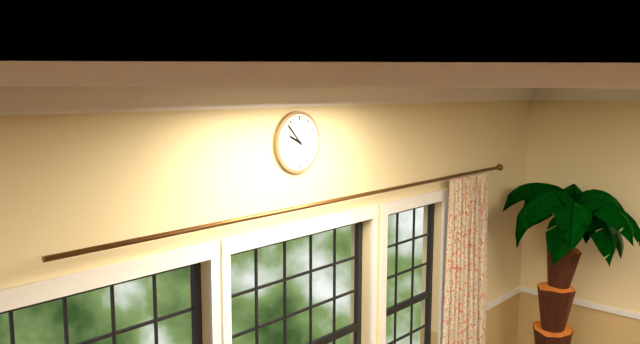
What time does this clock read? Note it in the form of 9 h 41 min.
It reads 9 h 53 min
